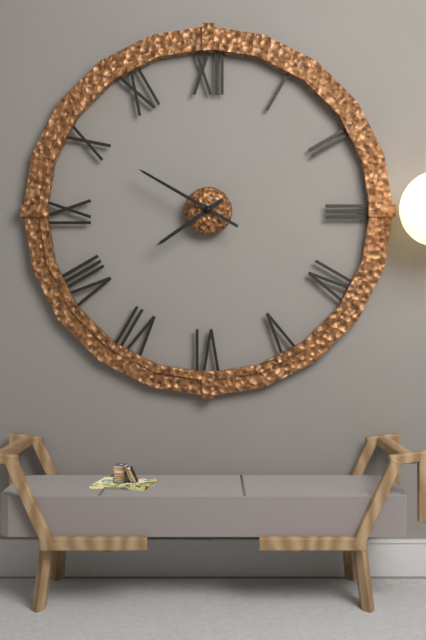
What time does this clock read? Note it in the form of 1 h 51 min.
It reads 7 h 50 min
